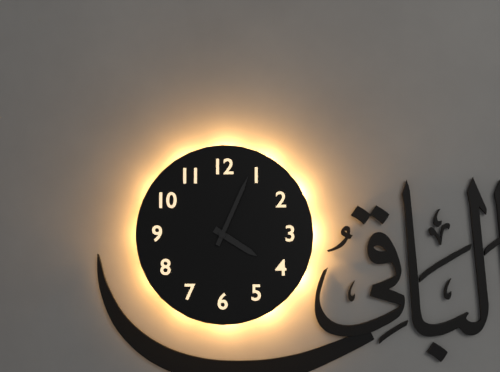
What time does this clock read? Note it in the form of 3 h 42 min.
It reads 4 h 04 min
